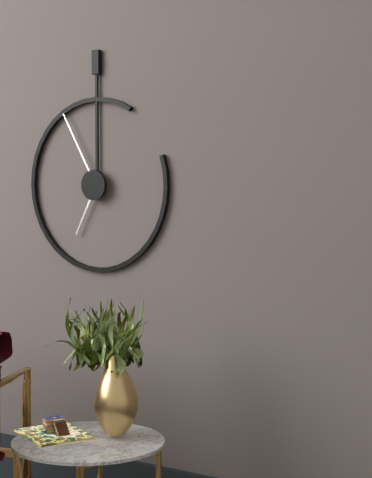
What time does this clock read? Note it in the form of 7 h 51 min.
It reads 6 h 55 min
